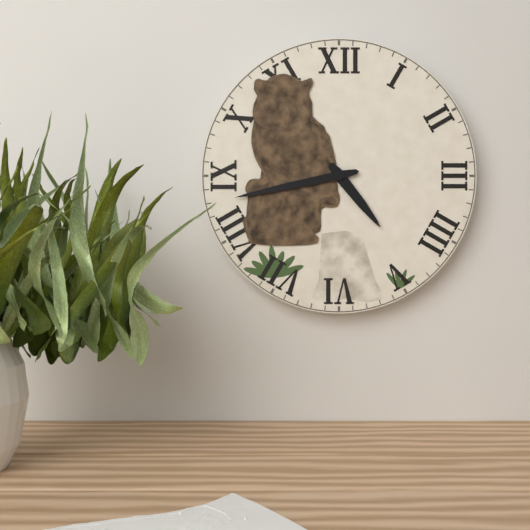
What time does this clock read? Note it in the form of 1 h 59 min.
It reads 4 h 43 min
